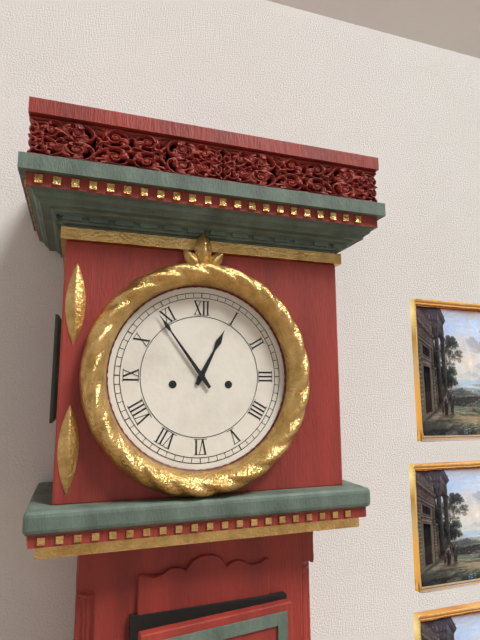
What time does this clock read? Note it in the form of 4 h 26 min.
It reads 12 h 54 min
